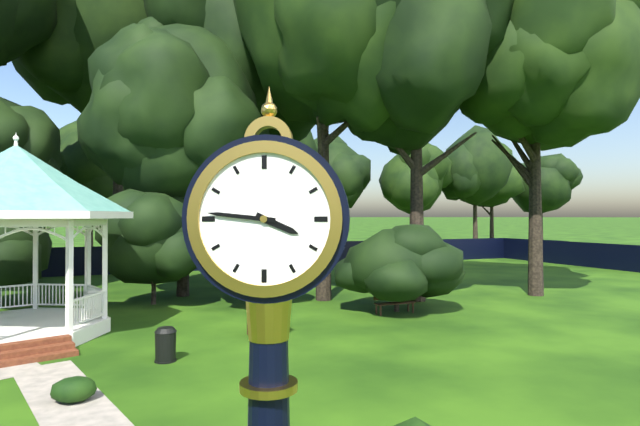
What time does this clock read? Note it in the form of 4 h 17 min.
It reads 3 h 46 min
